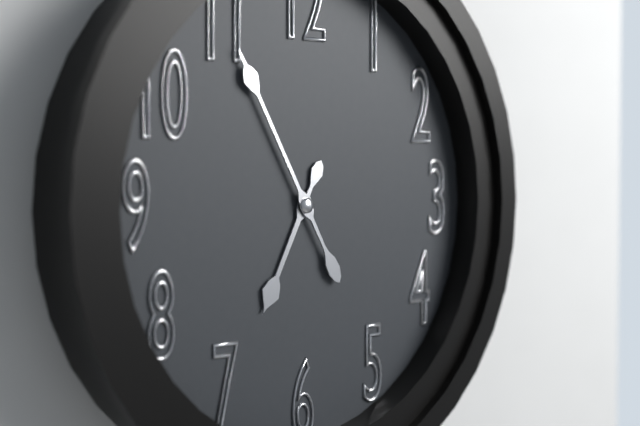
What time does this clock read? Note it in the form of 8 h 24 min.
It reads 6 h 55 min
